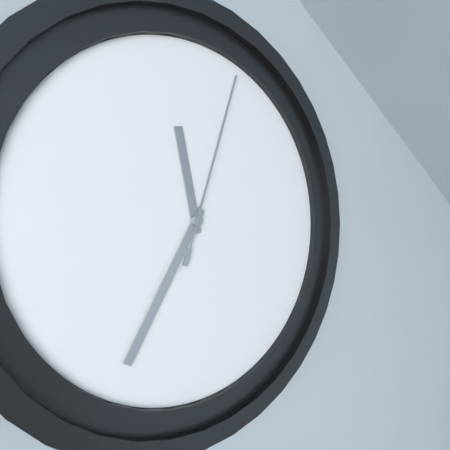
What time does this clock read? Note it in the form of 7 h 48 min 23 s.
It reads 11 h 35 min 03 s
